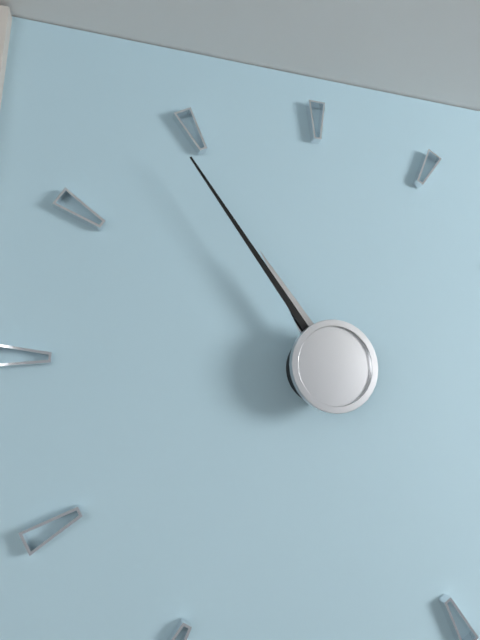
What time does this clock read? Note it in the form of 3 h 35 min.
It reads 10 h 54 min
